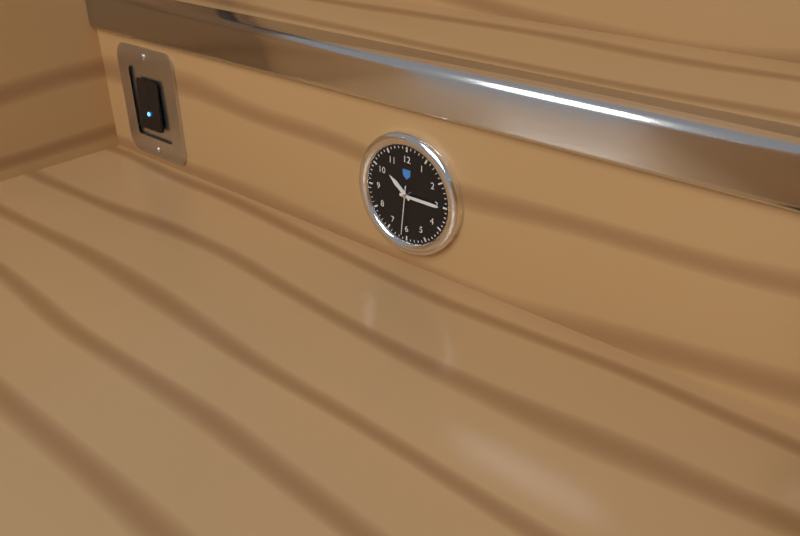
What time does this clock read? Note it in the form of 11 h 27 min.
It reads 10 h 15 min
